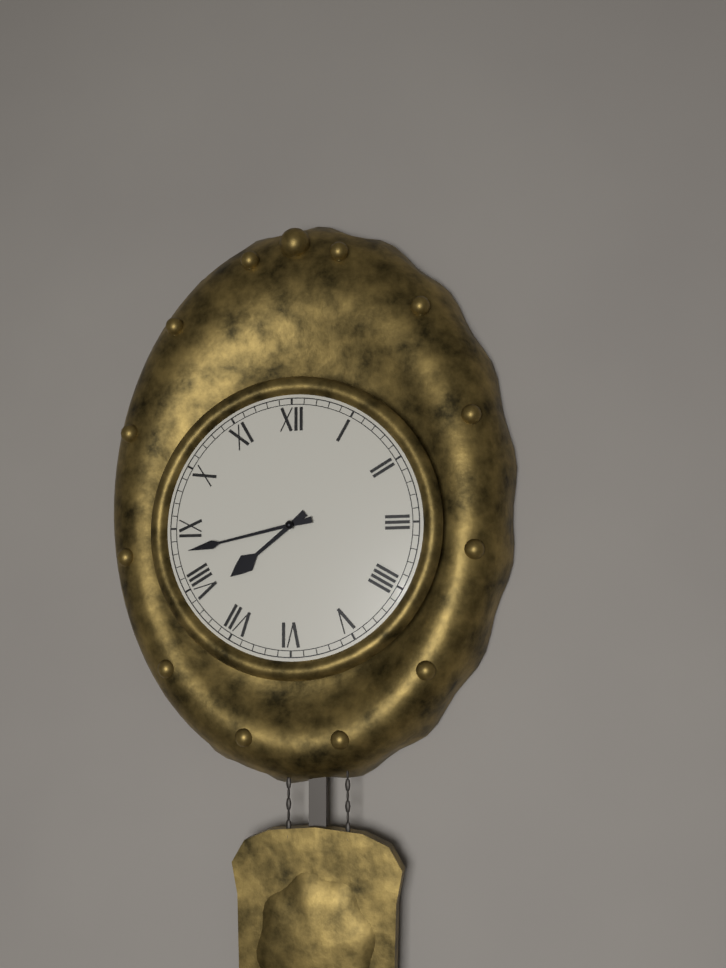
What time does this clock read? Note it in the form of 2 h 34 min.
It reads 7 h 43 min
